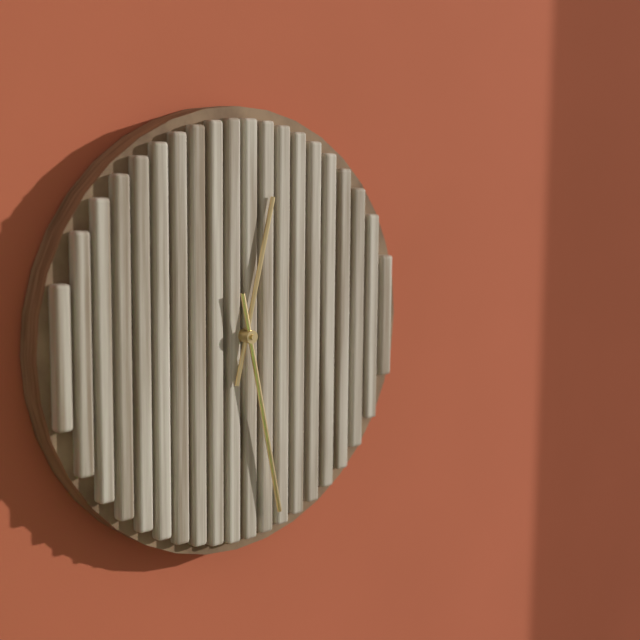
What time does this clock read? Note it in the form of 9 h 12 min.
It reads 12 h 28 min
